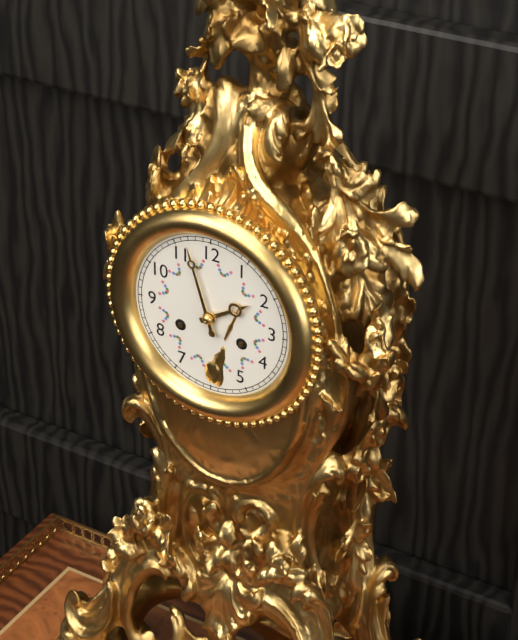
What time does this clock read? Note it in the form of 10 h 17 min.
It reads 1 h 57 min
